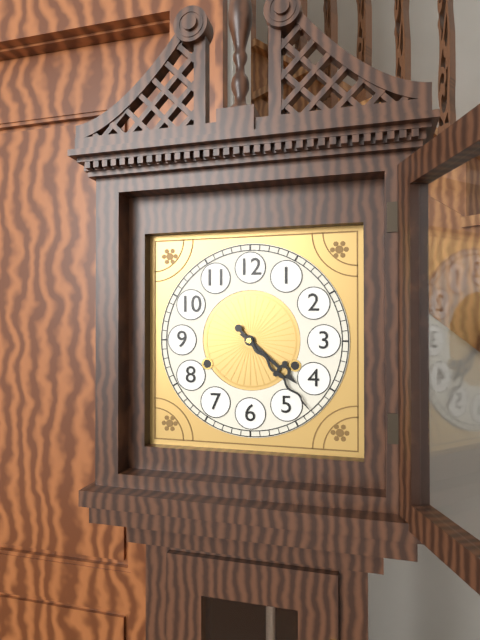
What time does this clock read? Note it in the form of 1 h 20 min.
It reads 4 h 23 min
